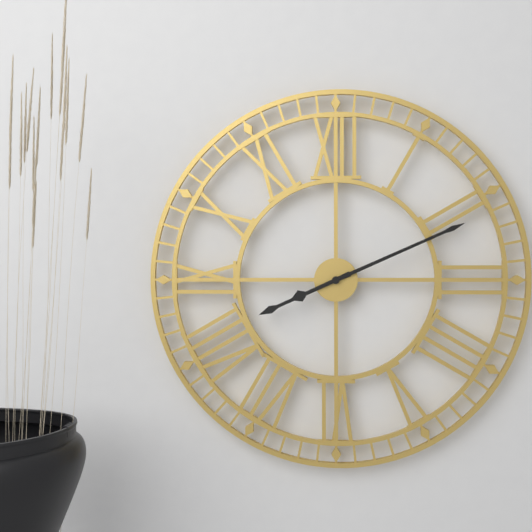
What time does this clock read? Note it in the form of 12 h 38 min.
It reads 8 h 11 min
